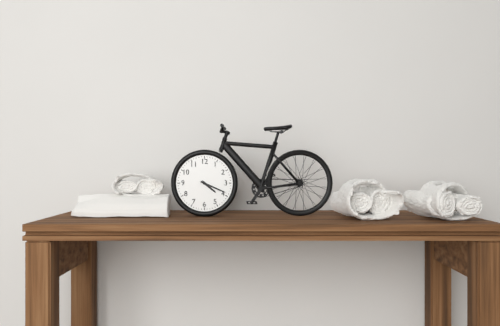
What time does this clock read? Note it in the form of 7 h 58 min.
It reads 4 h 19 min
